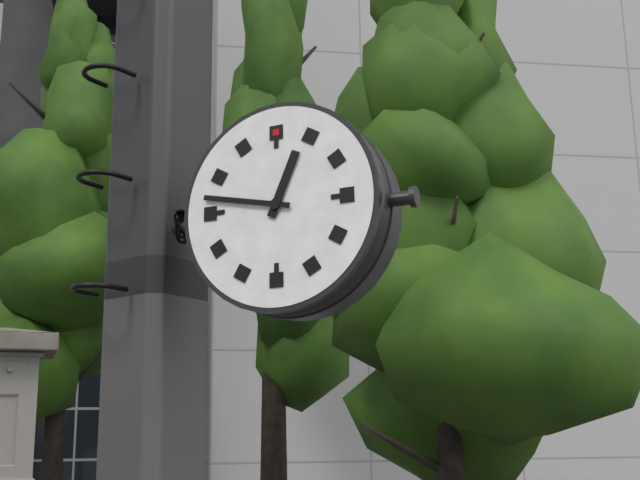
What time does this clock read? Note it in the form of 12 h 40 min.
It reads 12 h 47 min
